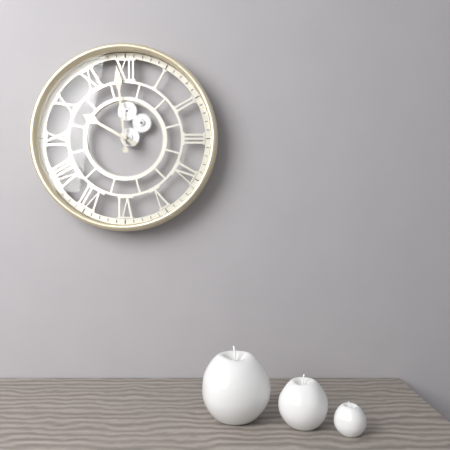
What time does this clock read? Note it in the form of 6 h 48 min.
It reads 9 h 59 min
